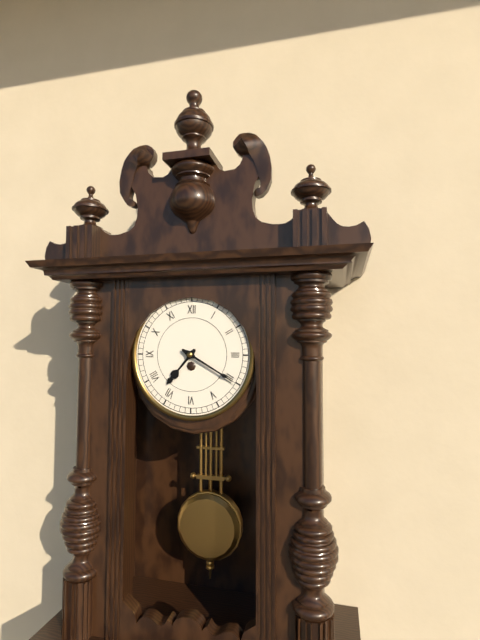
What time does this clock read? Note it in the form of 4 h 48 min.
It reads 7 h 20 min
